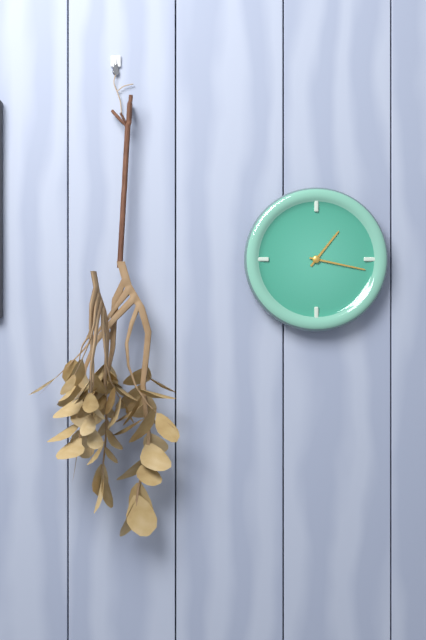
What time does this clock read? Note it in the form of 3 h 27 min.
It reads 1 h 17 min
